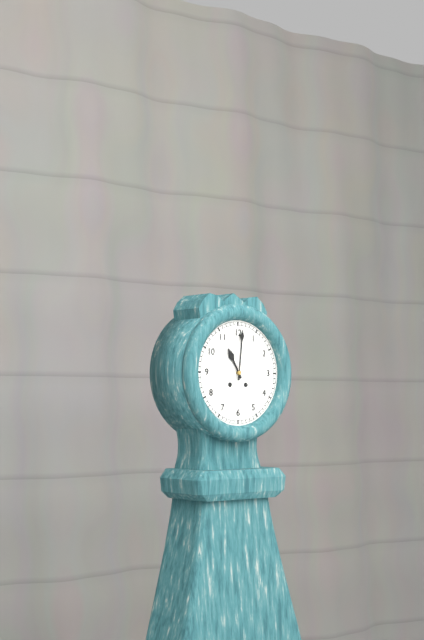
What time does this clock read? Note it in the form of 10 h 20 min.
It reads 11 h 01 min
